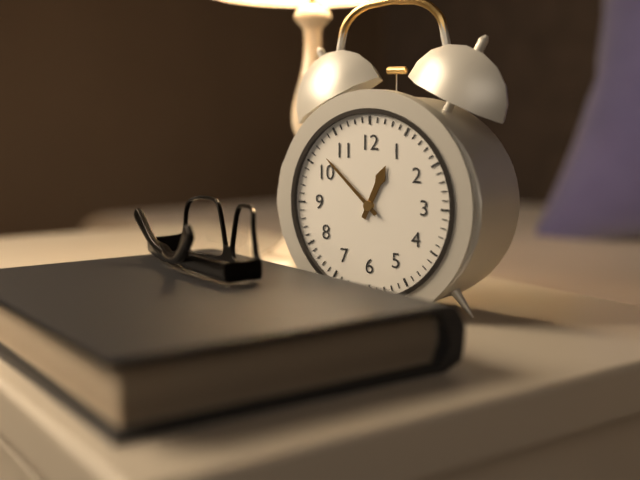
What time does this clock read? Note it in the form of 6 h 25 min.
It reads 12 h 52 min
